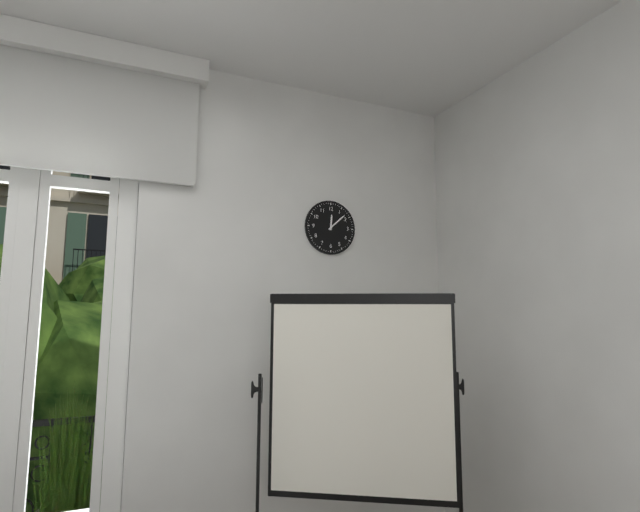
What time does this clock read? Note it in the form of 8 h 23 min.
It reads 12 h 08 min
